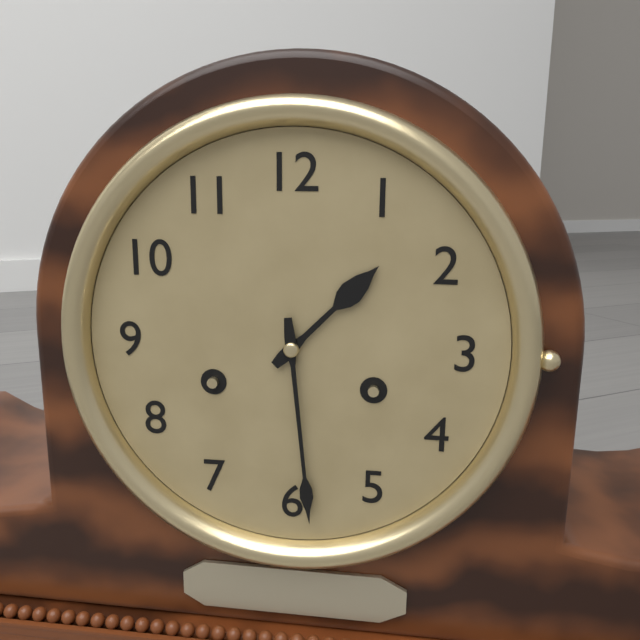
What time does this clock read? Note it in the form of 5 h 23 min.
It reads 1 h 29 min
